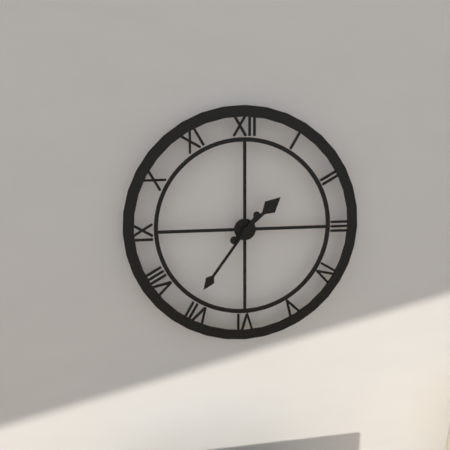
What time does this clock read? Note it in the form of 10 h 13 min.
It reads 1 h 36 min
